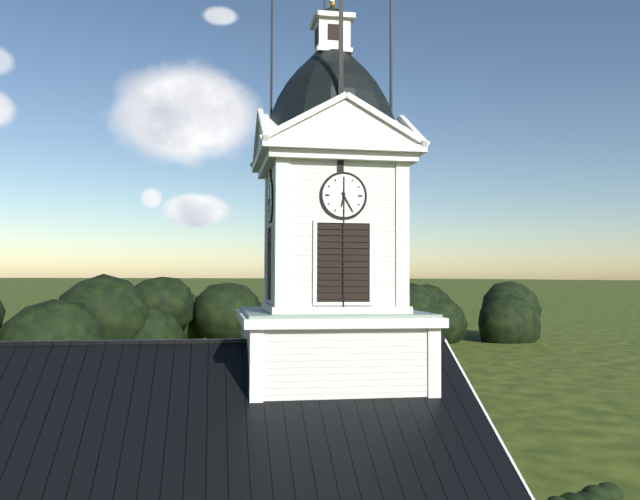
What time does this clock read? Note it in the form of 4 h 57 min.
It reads 6 h 25 min
